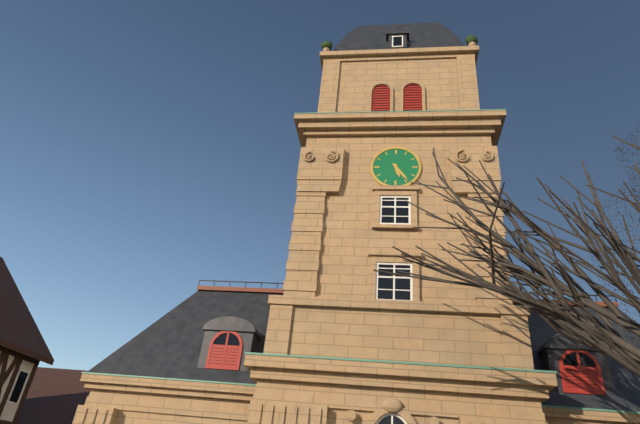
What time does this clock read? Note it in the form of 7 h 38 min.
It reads 5 h 24 min
